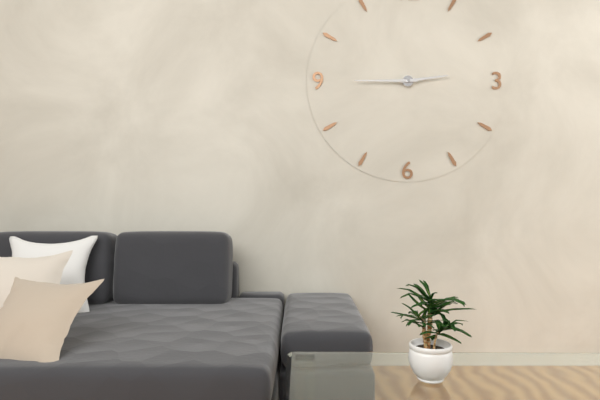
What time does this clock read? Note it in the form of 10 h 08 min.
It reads 2 h 45 min
